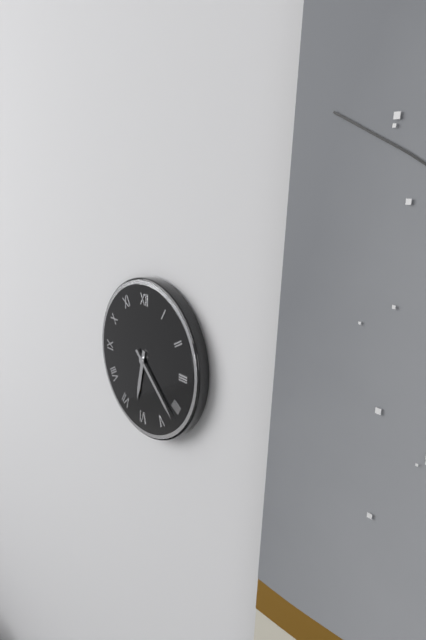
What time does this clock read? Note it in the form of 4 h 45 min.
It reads 6 h 22 min
